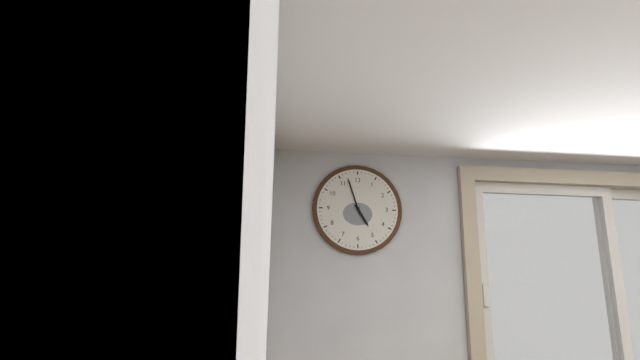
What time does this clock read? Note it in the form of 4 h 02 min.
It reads 4 h 57 min
